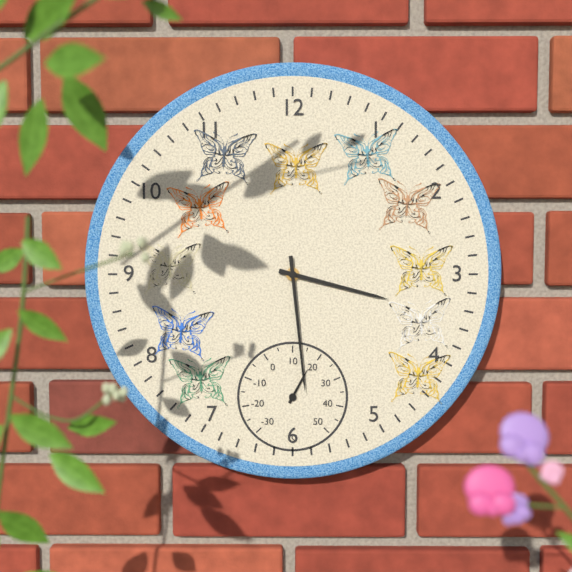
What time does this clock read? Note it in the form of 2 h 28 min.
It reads 3 h 29 min
